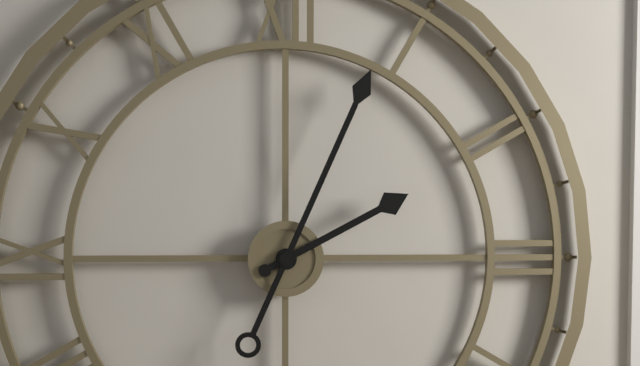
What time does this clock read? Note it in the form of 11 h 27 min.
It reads 2 h 04 min
